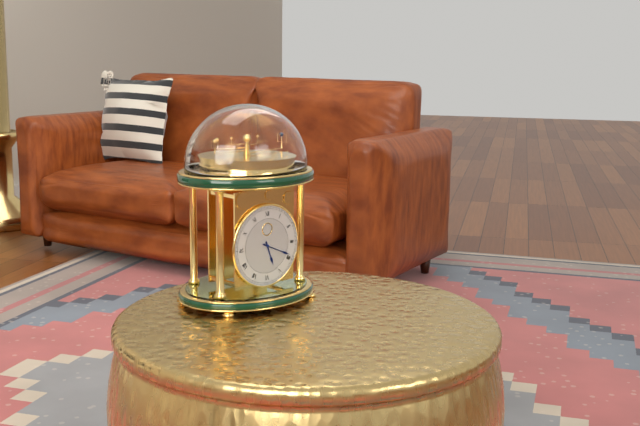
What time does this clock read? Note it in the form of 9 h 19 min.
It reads 5 h 19 min
